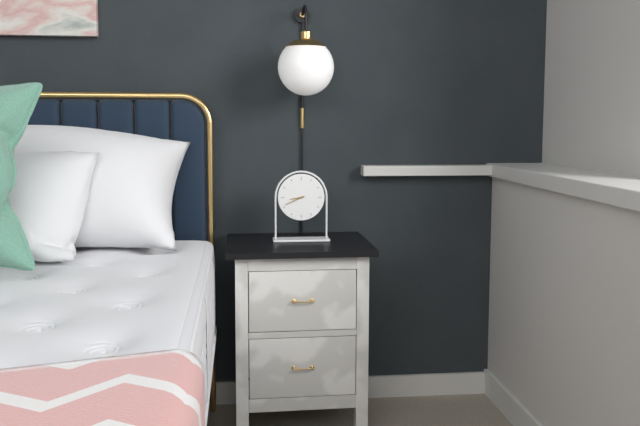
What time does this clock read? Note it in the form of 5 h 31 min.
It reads 8 h 41 min
